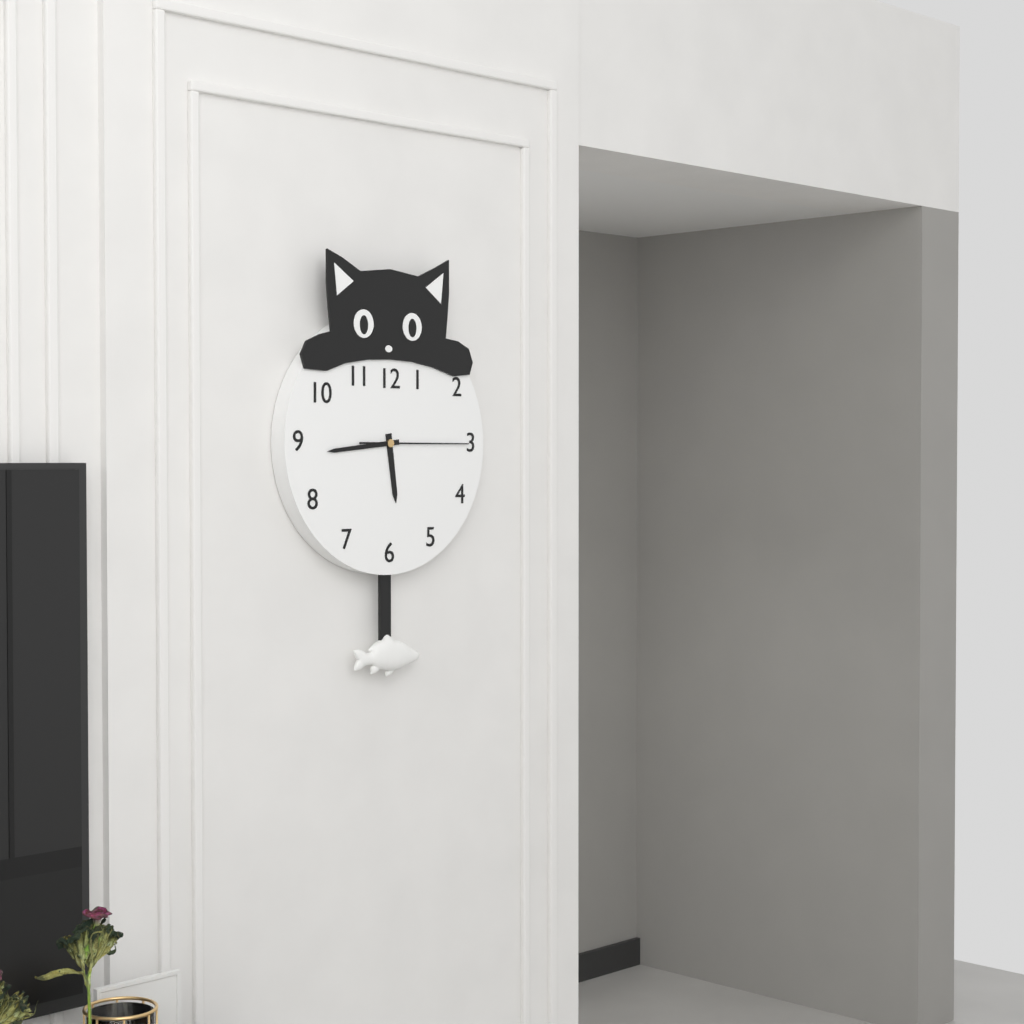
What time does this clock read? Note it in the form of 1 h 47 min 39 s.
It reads 5 h 44 min 15 s
